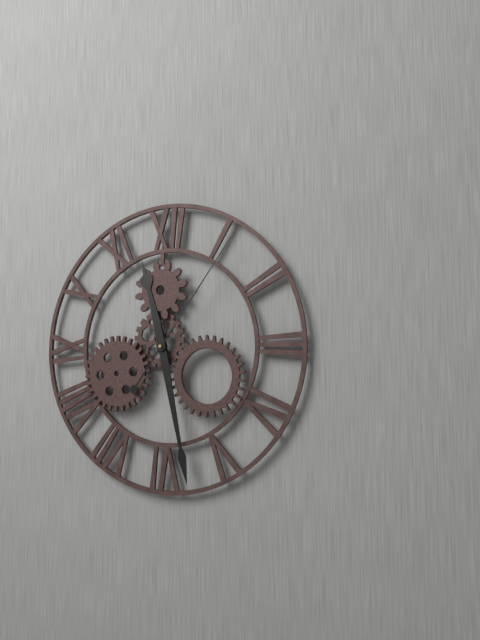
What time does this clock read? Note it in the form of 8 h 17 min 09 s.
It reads 11 h 28 min 06 s
